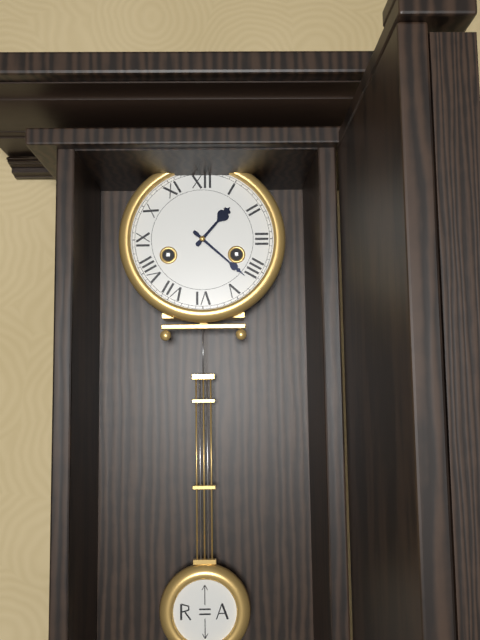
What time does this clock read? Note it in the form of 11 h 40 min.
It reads 1 h 22 min
